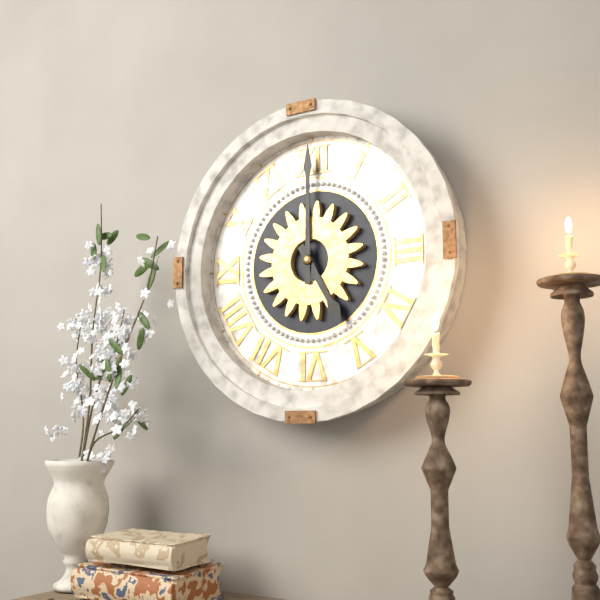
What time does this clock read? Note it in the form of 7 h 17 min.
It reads 5 h 00 min
